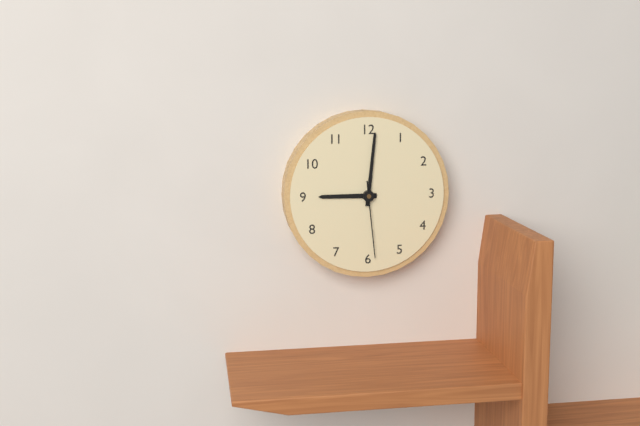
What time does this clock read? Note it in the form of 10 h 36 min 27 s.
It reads 9 h 01 min 29 s
